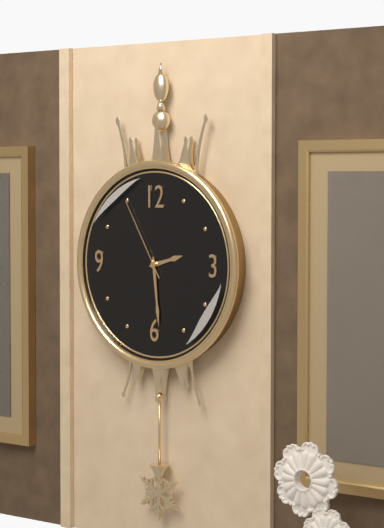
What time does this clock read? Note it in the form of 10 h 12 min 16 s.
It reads 2 h 29 min 55 s
